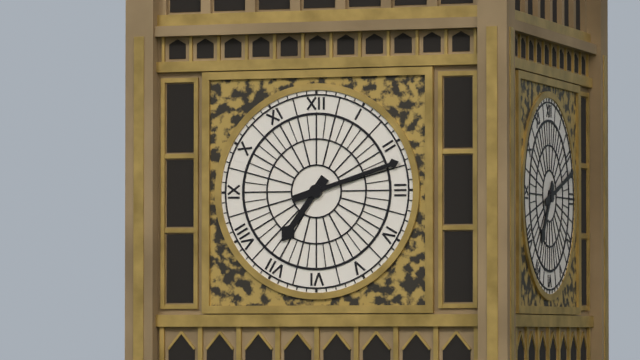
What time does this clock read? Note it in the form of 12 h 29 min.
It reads 7 h 12 min
